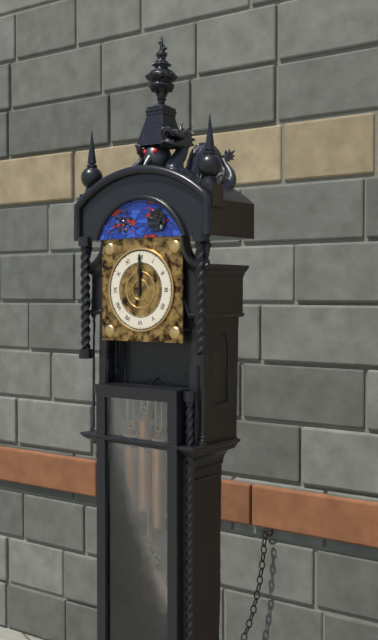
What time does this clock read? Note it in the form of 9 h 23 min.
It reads 12 h 00 min
